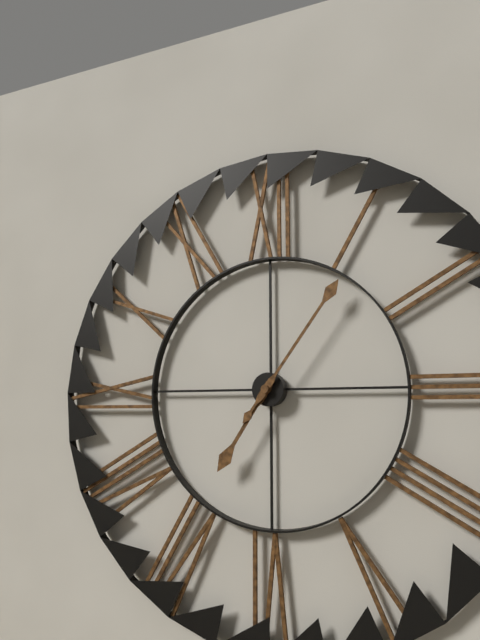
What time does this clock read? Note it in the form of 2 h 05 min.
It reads 7 h 06 min
